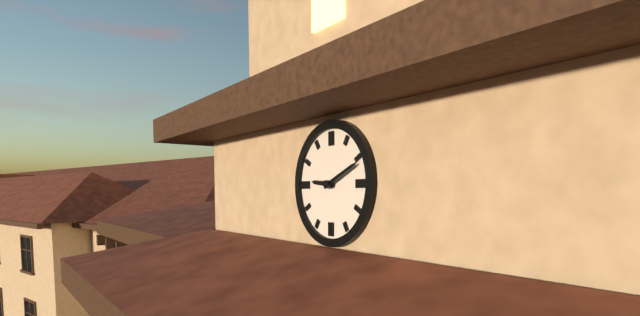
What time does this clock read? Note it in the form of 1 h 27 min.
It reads 9 h 11 min
